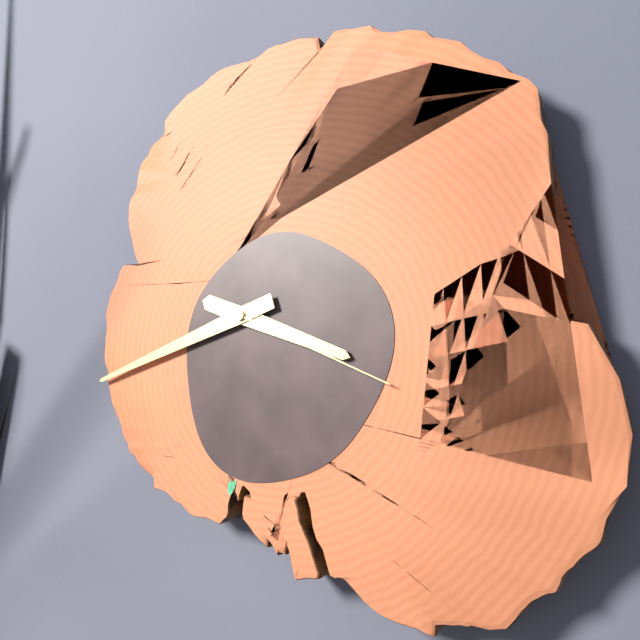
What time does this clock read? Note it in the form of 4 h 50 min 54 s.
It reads 3 h 42 min 19 s
